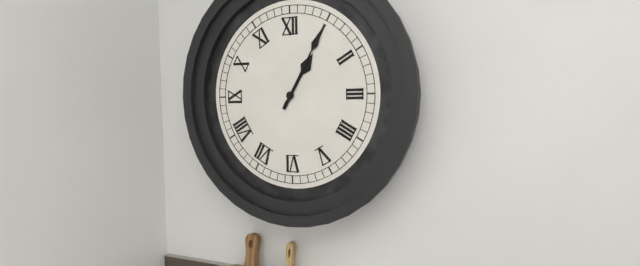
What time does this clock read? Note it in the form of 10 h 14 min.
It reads 1 h 05 min
